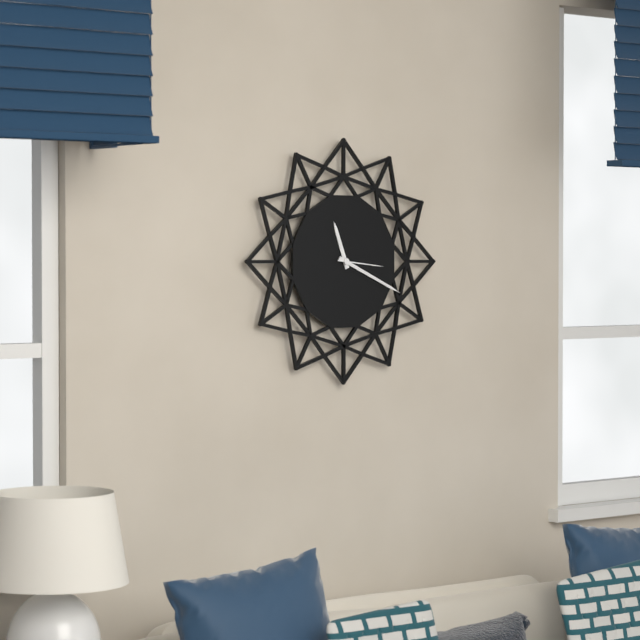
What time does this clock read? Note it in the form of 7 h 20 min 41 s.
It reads 11 h 19 min 16 s
